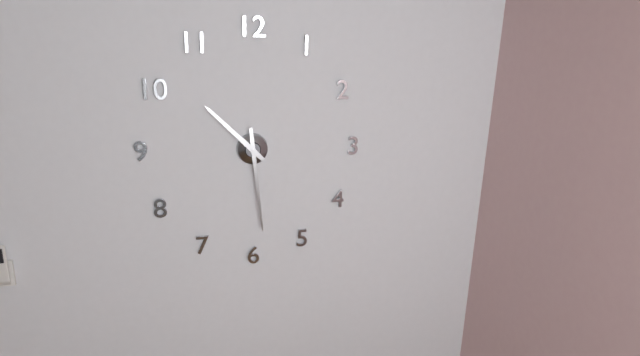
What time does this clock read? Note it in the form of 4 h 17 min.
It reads 10 h 29 min
